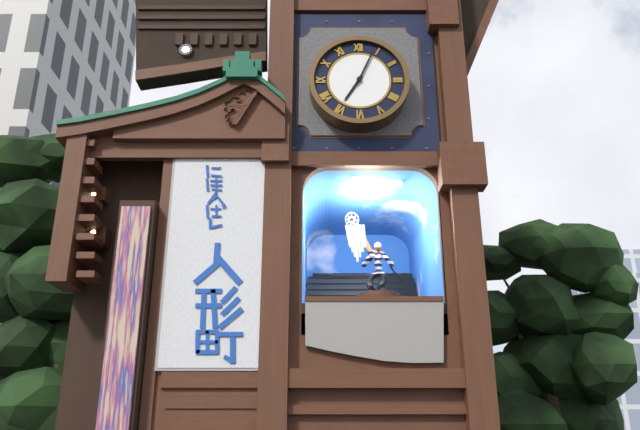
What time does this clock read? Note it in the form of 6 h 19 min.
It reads 7 h 04 min
